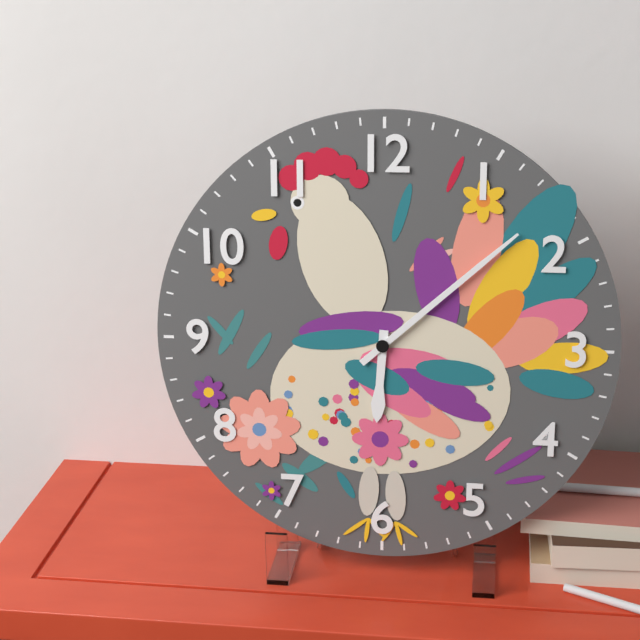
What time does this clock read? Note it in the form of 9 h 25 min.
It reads 6 h 08 min
